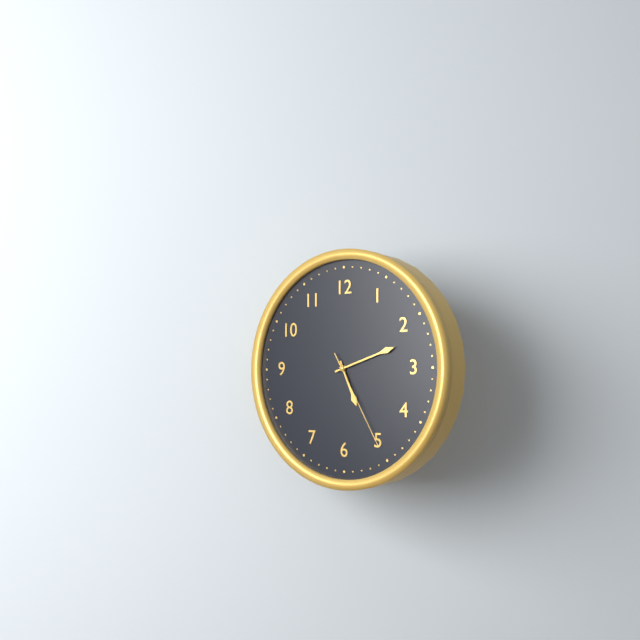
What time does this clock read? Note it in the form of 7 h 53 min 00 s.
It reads 5 h 12 min 25 s
